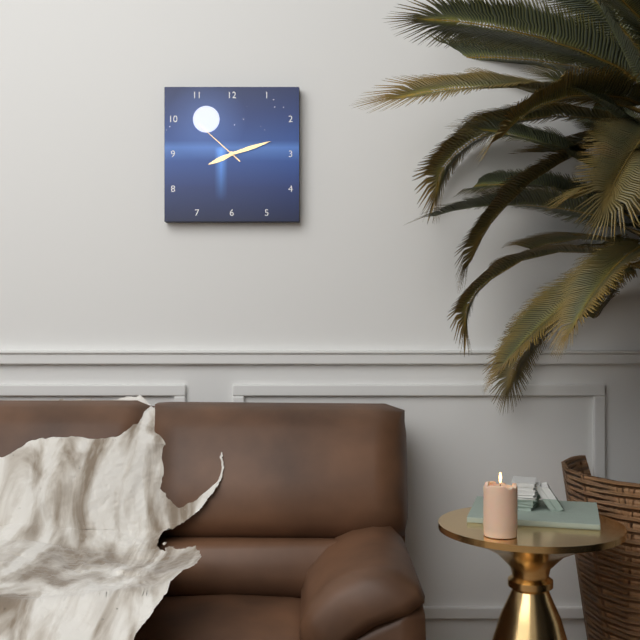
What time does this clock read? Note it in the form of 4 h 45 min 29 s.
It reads 8 h 12 min 52 s
